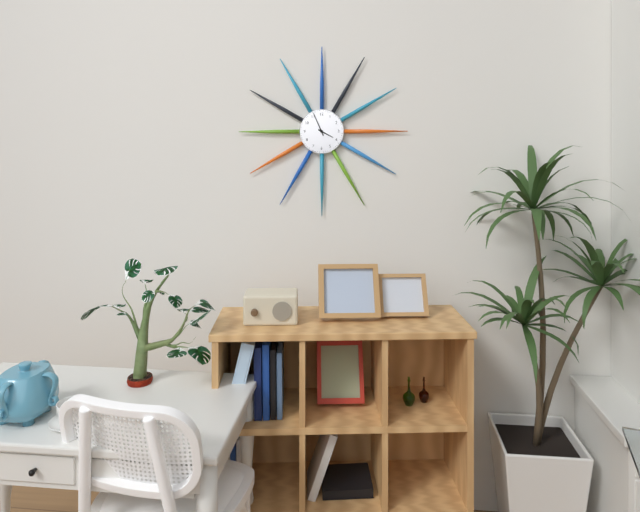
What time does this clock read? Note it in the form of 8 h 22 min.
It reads 3 h 56 min
